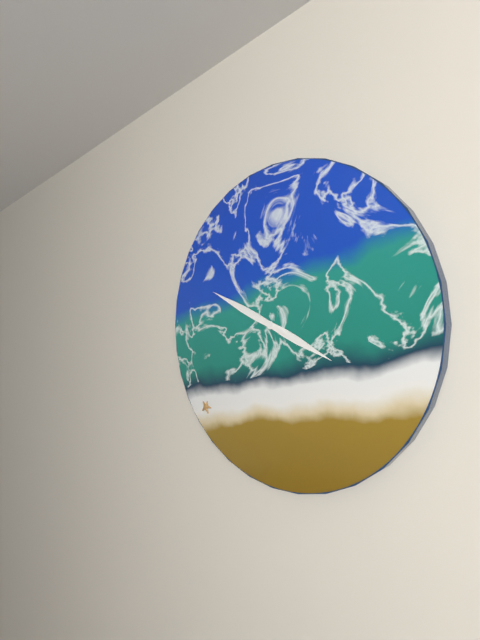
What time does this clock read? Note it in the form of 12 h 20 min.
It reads 3 h 49 min
